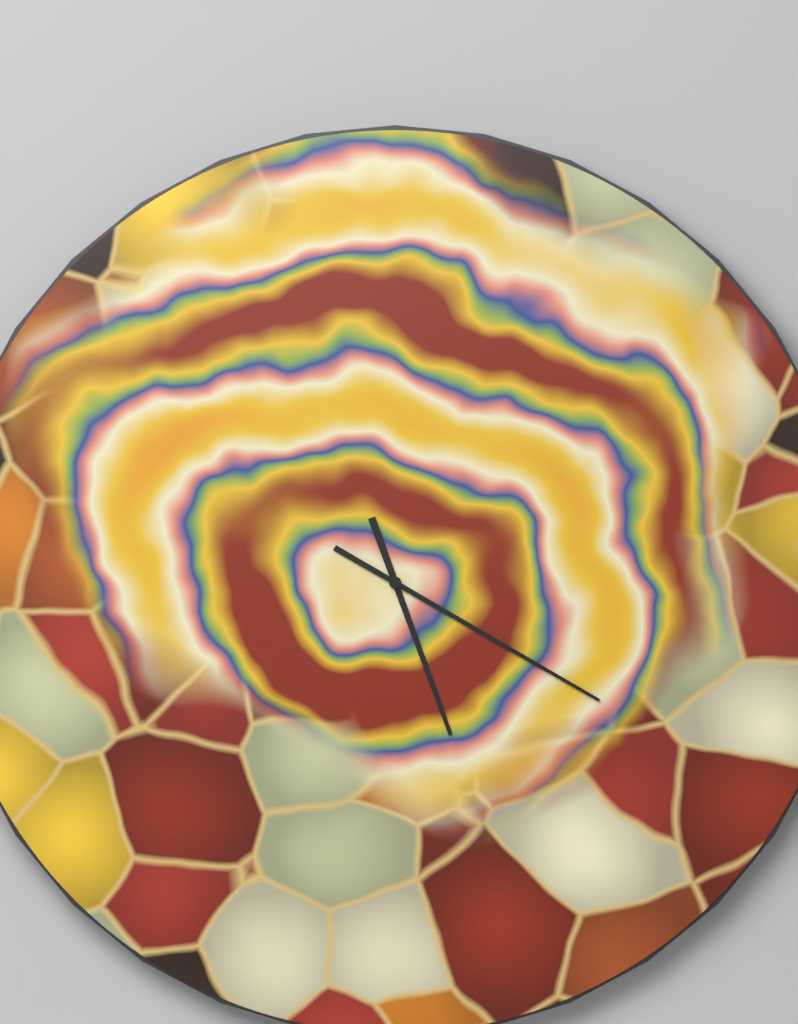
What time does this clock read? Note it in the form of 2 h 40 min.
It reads 5 h 20 min
